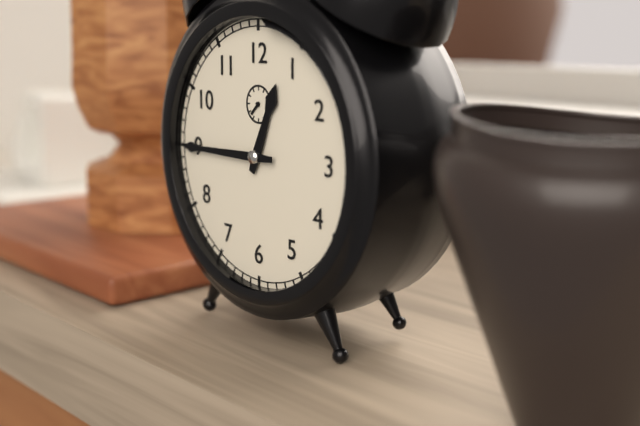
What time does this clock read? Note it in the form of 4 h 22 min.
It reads 12 h 45 min
